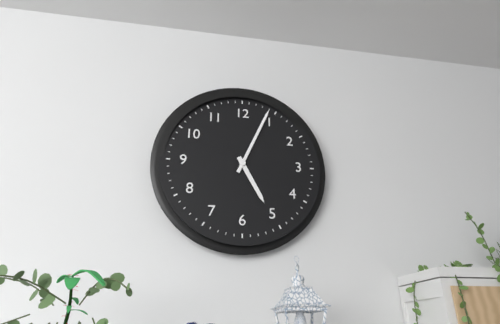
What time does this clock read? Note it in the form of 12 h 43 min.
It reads 5 h 04 min
